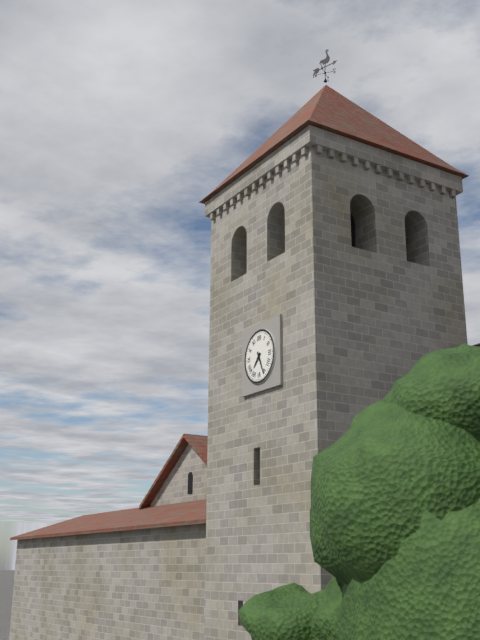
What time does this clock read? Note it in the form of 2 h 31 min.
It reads 7 h 26 min
